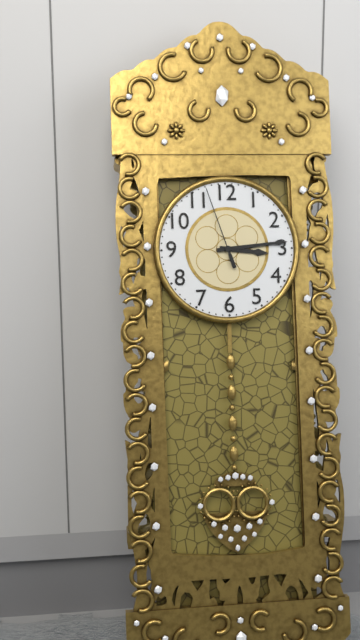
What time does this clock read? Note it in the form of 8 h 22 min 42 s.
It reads 3 h 14 min 57 s
